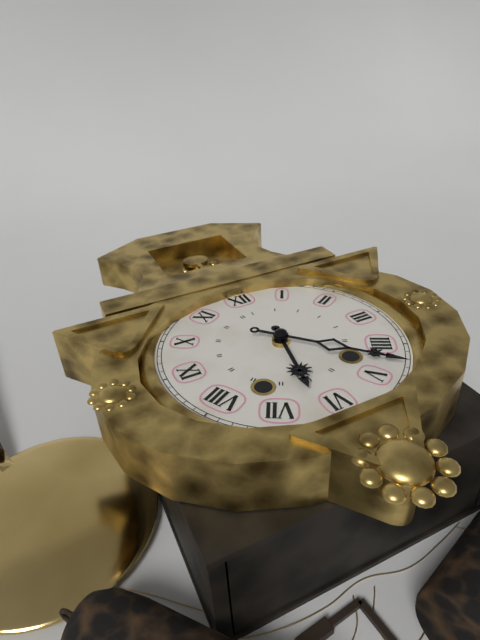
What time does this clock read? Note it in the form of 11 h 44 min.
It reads 6 h 23 min
